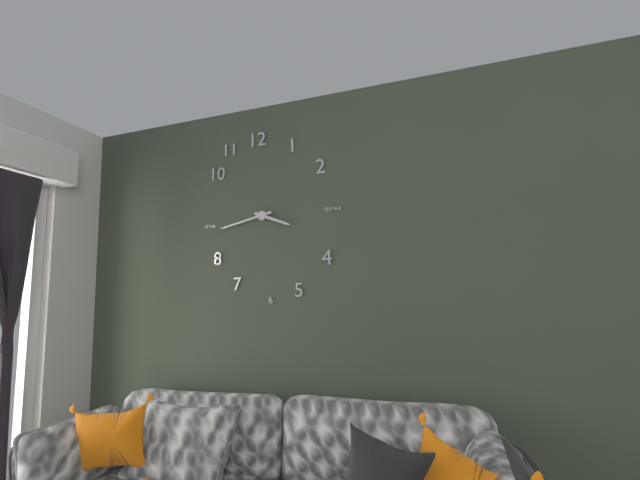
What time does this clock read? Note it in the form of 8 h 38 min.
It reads 3 h 43 min
